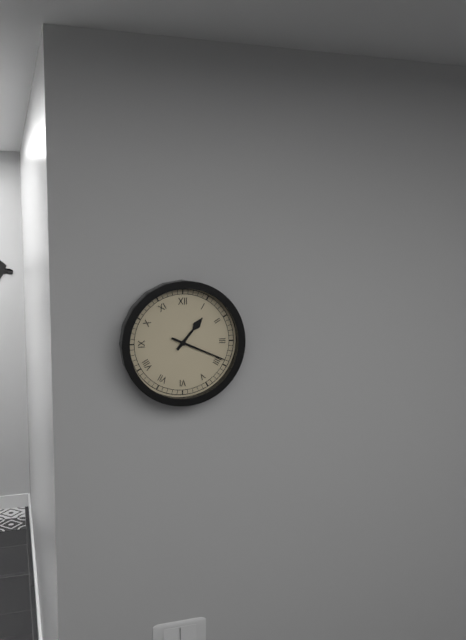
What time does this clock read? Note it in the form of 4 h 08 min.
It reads 1 h 19 min
